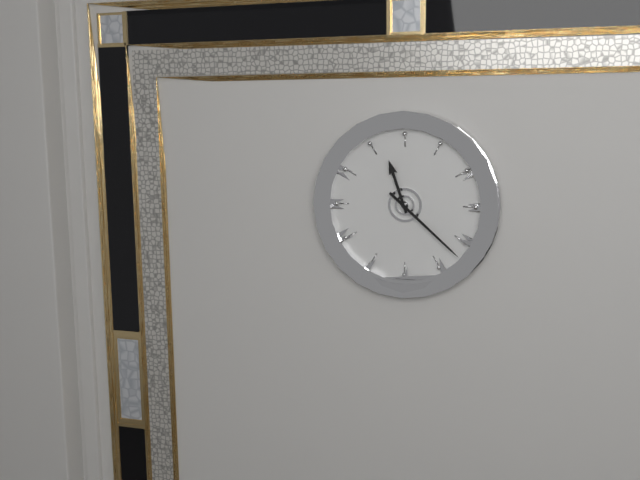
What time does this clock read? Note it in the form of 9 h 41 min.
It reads 11 h 22 min
